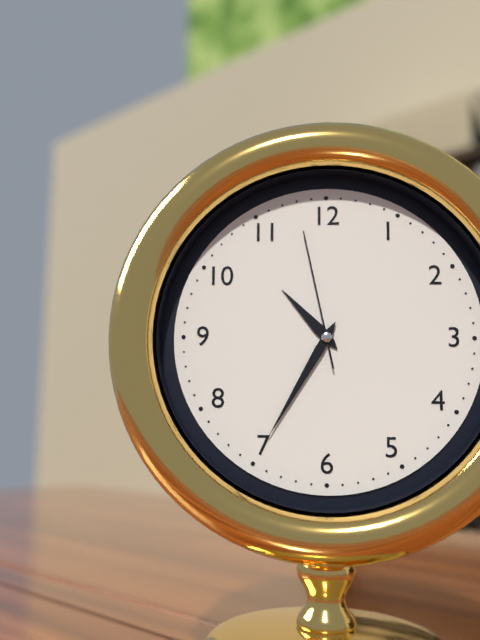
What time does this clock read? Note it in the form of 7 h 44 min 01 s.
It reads 10 h 35 min 58 s
